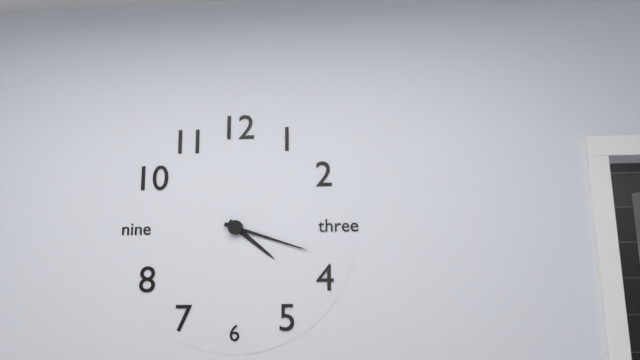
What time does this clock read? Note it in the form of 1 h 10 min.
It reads 4 h 18 min
